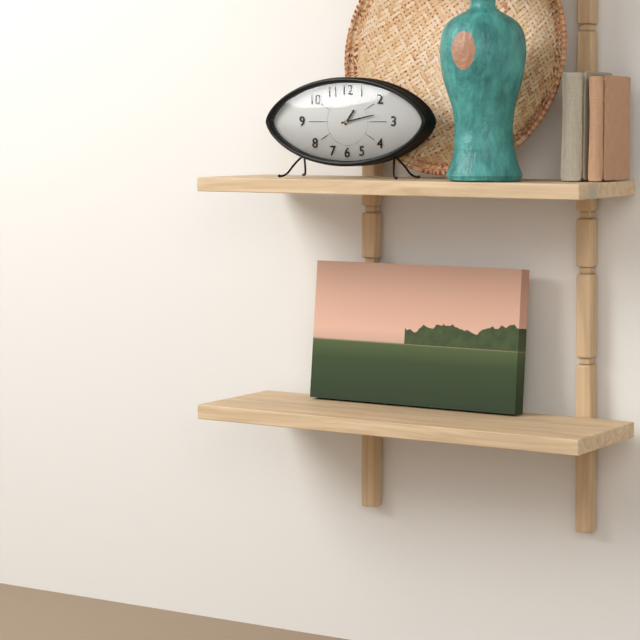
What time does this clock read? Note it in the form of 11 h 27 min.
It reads 1 h 13 min
